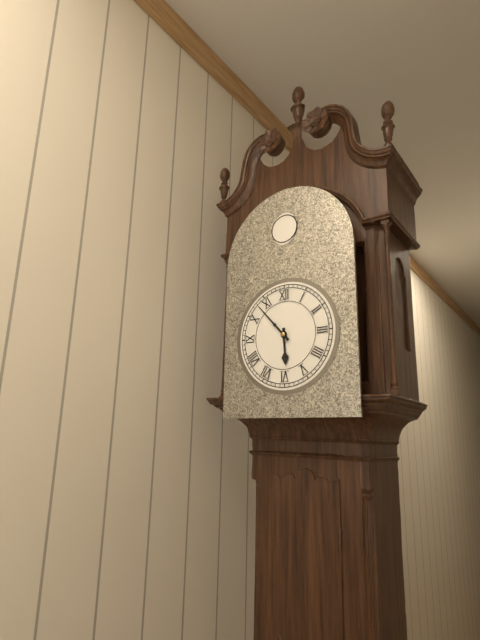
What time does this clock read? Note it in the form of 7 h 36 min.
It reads 5 h 53 min
